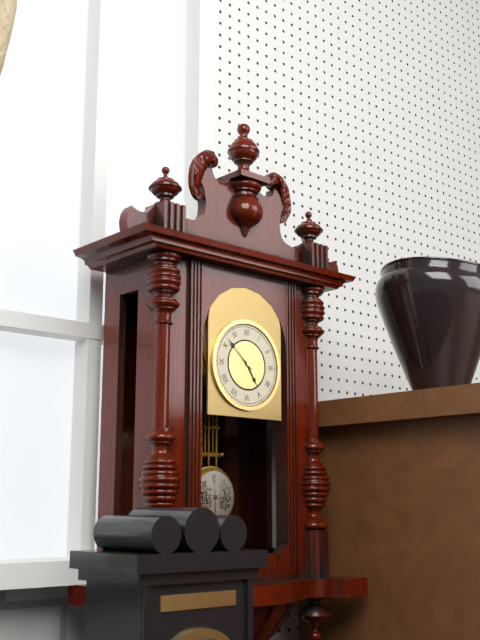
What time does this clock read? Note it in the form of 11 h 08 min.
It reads 4 h 52 min
